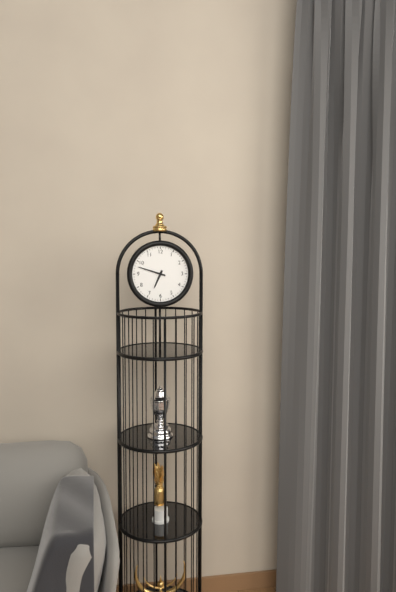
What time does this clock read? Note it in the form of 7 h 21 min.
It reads 6 h 48 min
